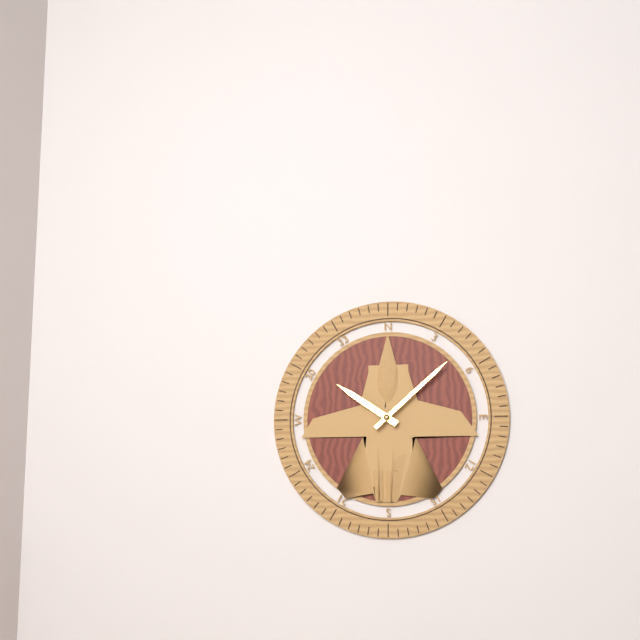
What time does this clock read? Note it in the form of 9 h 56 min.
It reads 10 h 08 min
